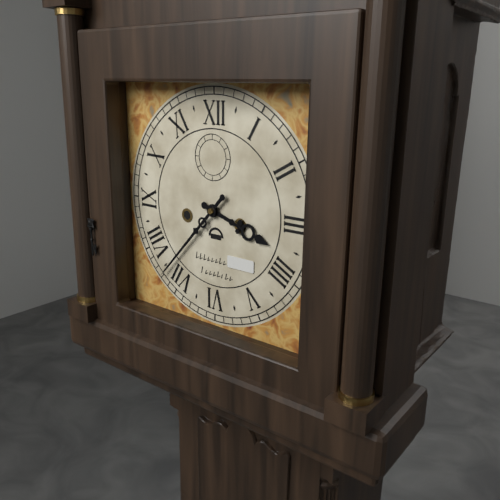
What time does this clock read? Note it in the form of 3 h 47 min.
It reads 3 h 37 min
